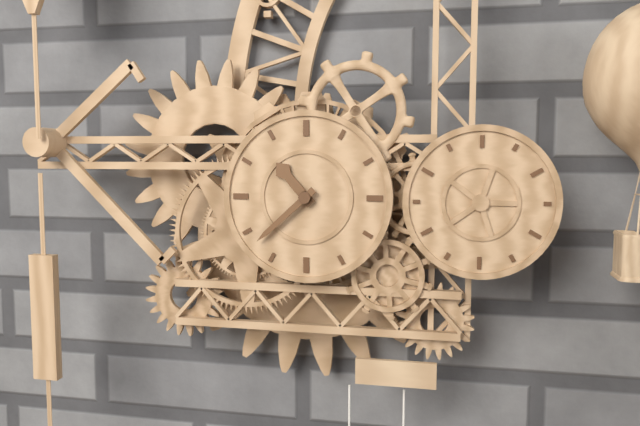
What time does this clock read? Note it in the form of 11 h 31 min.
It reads 10 h 38 min
